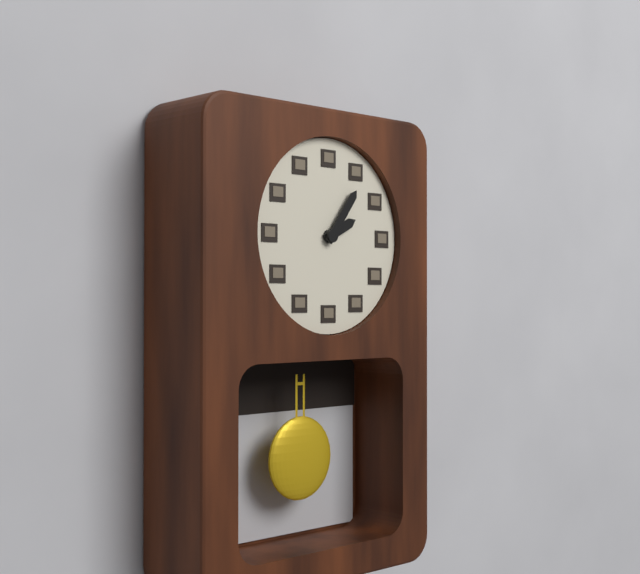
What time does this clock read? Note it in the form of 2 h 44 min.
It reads 2 h 06 min
